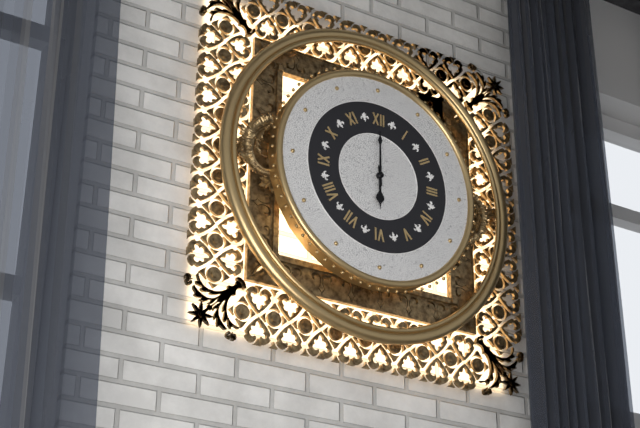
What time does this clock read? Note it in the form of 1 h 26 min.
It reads 6 h 00 min
